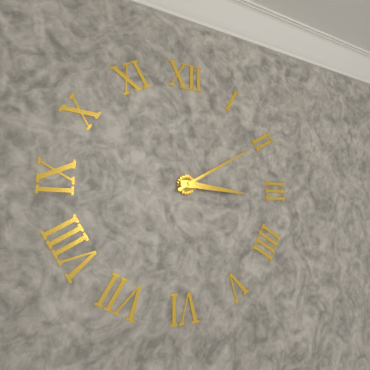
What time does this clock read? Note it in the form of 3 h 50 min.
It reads 3 h 10 min
